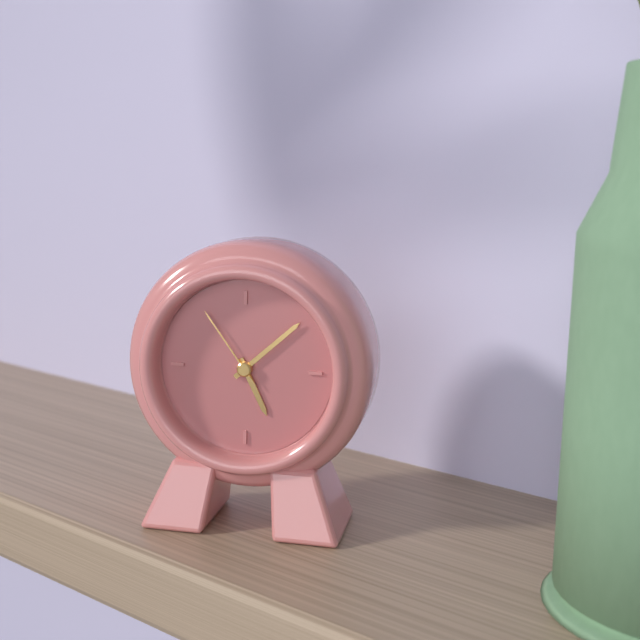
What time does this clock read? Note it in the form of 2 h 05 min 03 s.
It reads 5 h 08 min 54 s
